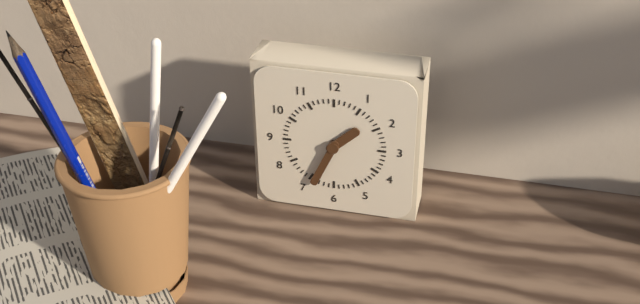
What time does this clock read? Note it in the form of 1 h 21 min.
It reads 1 h 34 min
